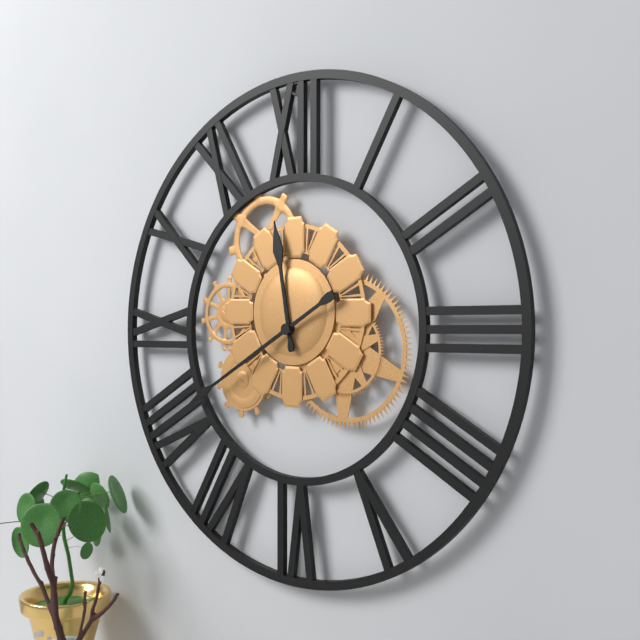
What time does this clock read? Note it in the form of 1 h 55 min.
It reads 11 h 40 min
